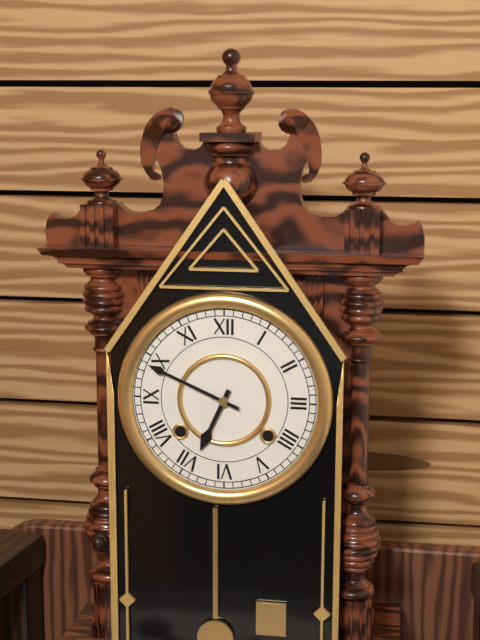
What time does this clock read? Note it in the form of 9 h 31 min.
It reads 6 h 49 min
